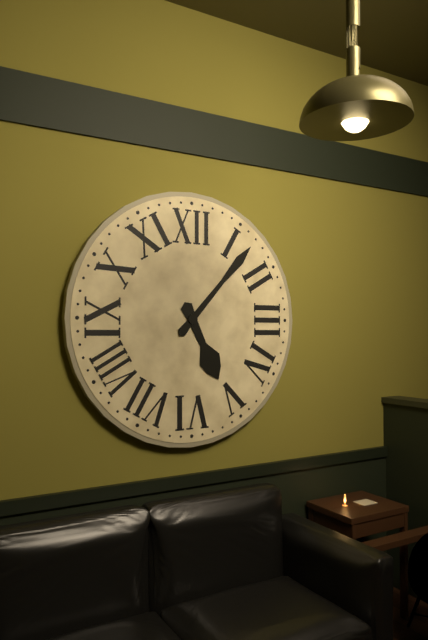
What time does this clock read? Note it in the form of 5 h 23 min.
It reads 5 h 07 min
